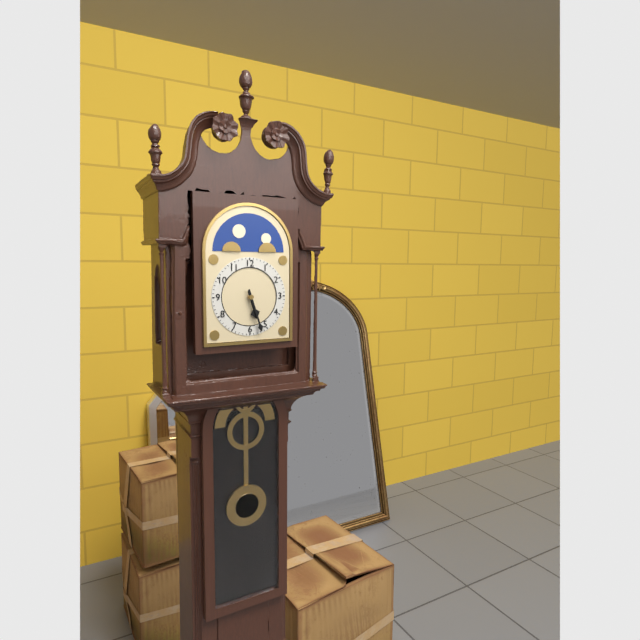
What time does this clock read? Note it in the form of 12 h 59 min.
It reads 5 h 27 min
